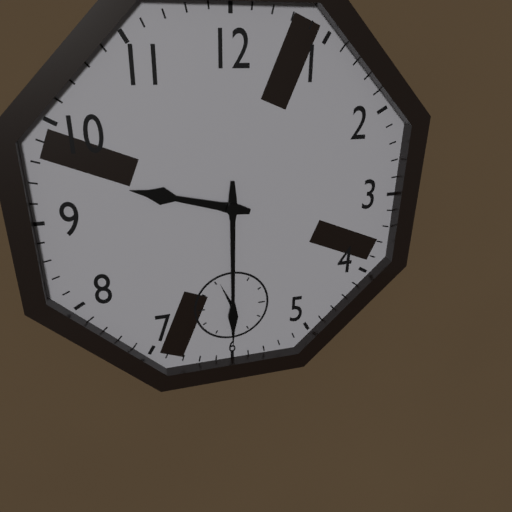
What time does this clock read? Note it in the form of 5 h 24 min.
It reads 9 h 30 min
